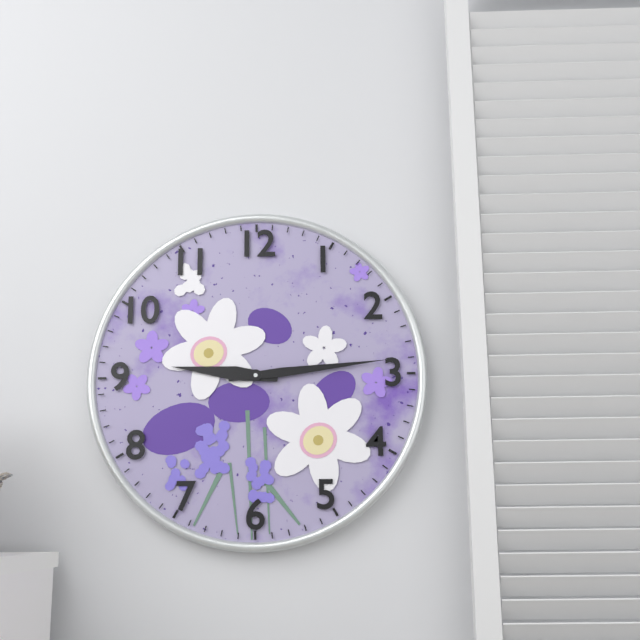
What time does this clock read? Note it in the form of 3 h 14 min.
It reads 9 h 14 min
